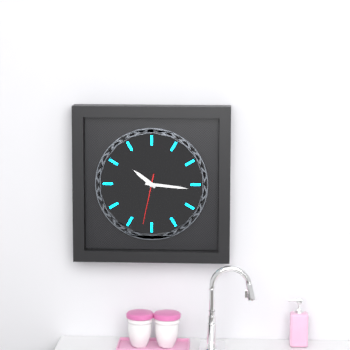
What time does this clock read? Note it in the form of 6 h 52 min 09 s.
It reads 10 h 16 min 32 s
